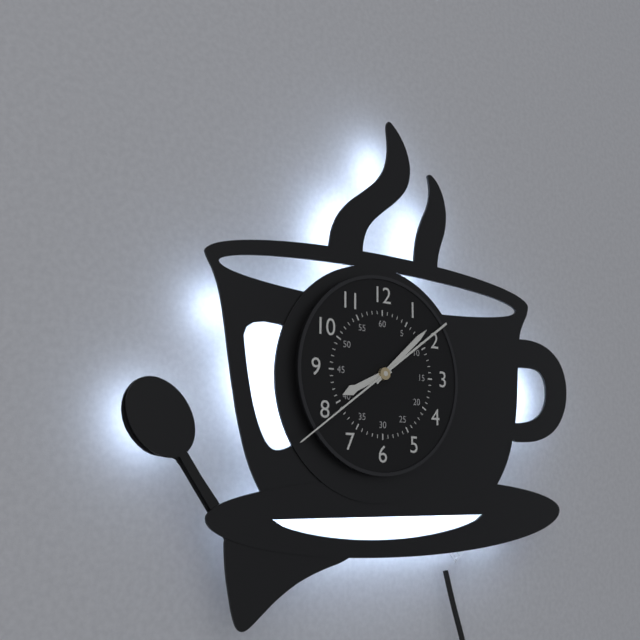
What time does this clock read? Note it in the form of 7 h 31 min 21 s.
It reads 8 h 08 min 39 s
